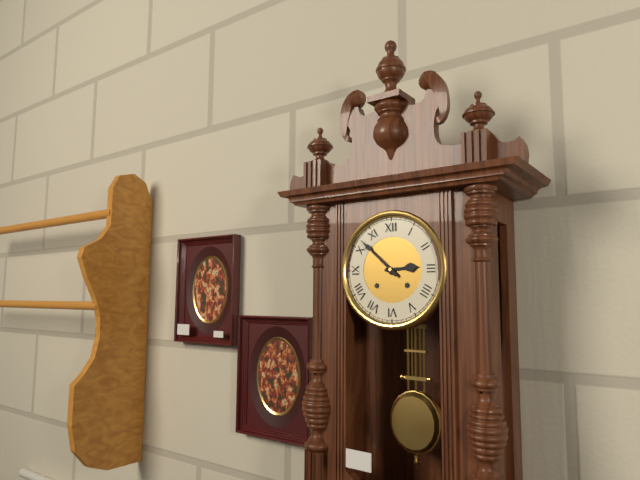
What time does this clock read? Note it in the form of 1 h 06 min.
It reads 2 h 52 min
